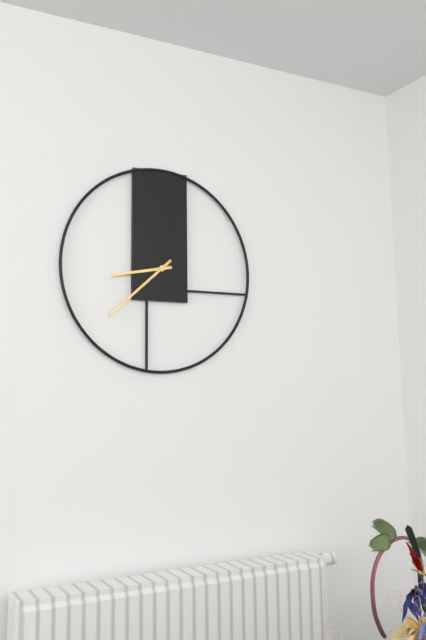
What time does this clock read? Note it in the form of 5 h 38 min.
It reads 8 h 38 min
